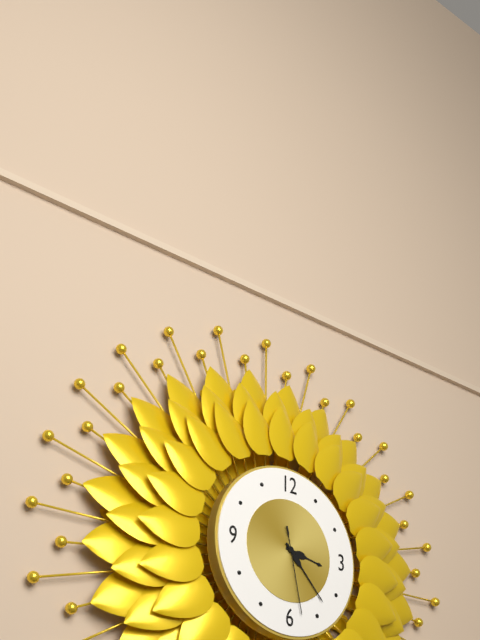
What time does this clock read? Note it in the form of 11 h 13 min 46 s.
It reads 3 h 23 min 28 s
